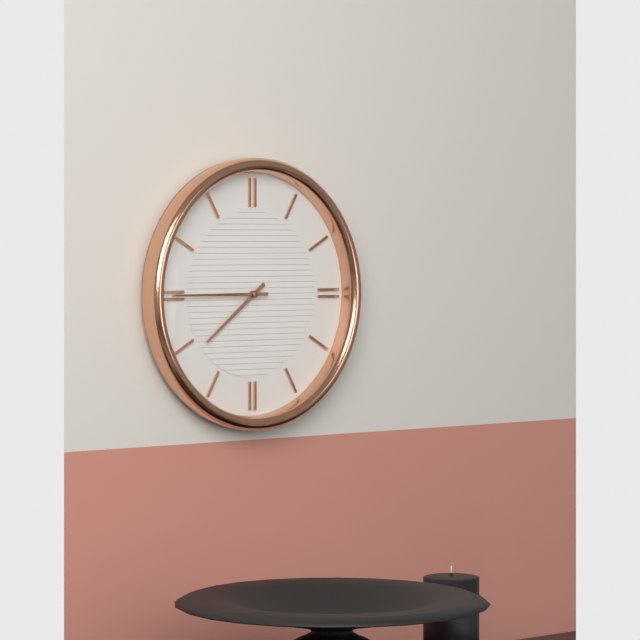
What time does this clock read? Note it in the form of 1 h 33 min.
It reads 7 h 45 min
